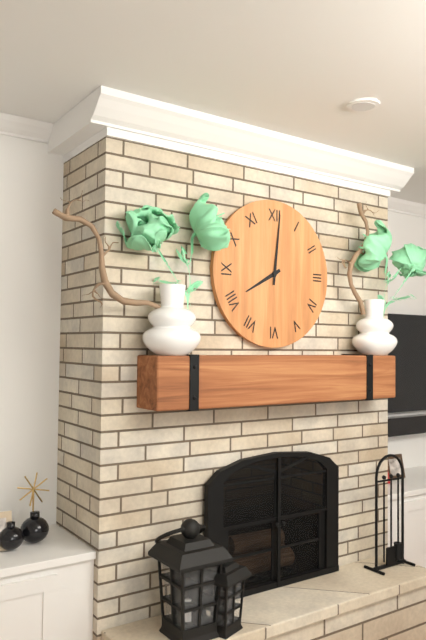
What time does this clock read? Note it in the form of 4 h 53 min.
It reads 8 h 01 min
